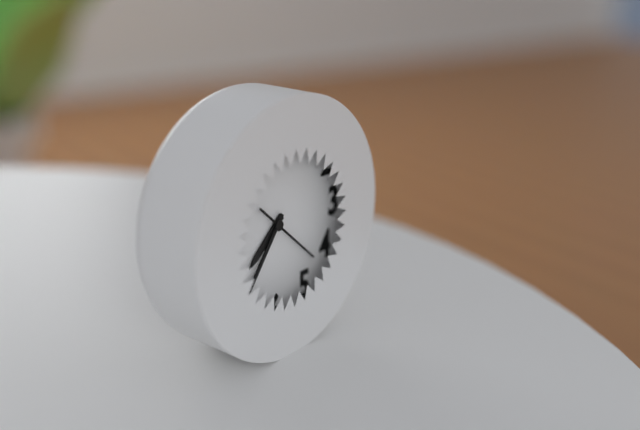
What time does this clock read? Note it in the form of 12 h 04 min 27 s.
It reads 7 h 36 min 22 s
